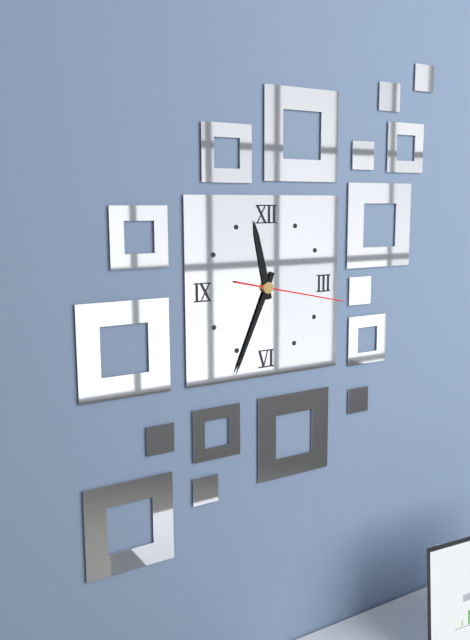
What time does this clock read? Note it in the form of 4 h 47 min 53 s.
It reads 11 h 34 min 17 s
